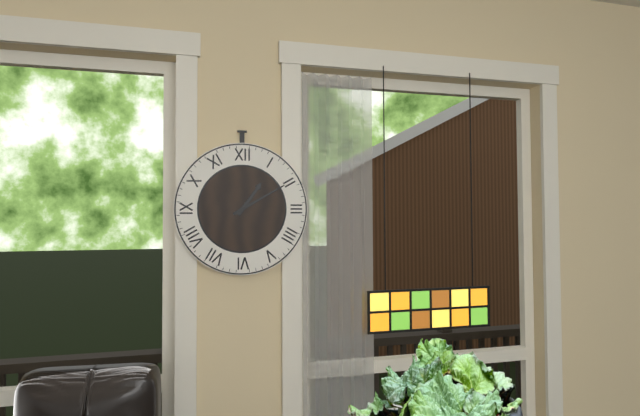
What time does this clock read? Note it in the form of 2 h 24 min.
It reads 1 h 10 min
